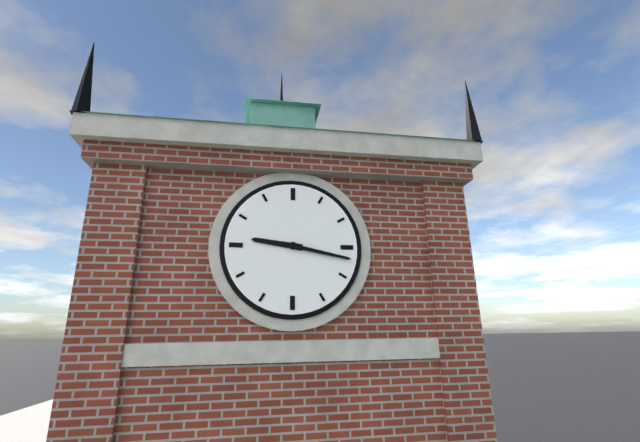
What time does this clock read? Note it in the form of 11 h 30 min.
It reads 9 h 17 min
